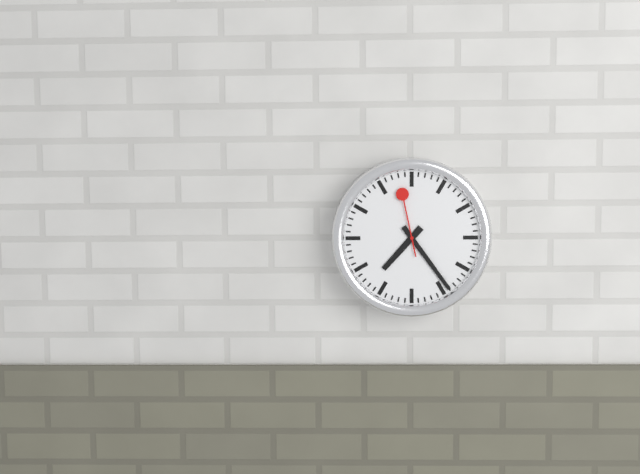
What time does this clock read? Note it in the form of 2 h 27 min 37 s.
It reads 7 h 24 min 58 s
